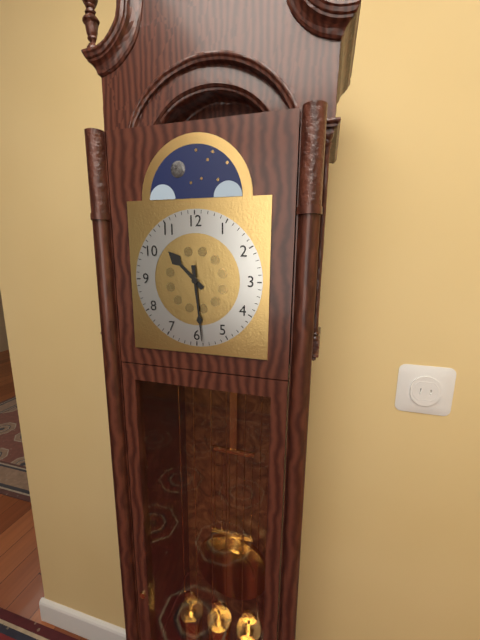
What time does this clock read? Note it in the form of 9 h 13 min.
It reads 10 h 29 min
